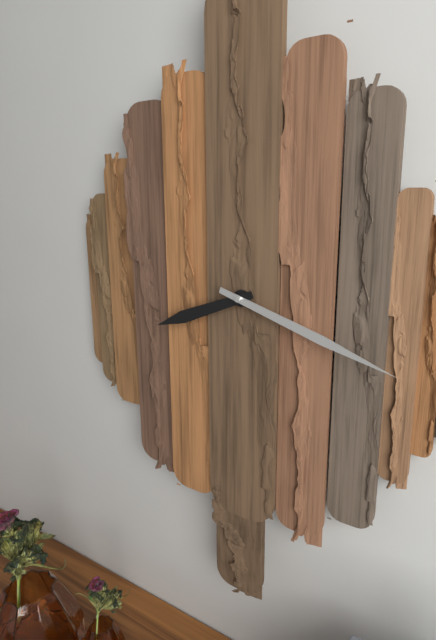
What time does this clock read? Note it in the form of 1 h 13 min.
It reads 8 h 18 min
